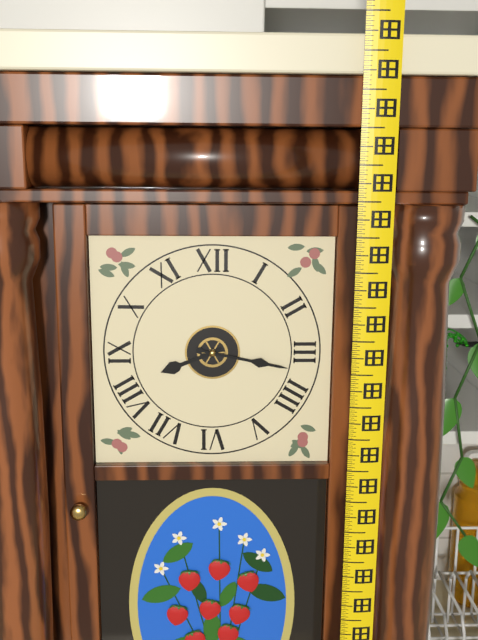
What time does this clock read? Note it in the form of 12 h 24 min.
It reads 8 h 17 min
